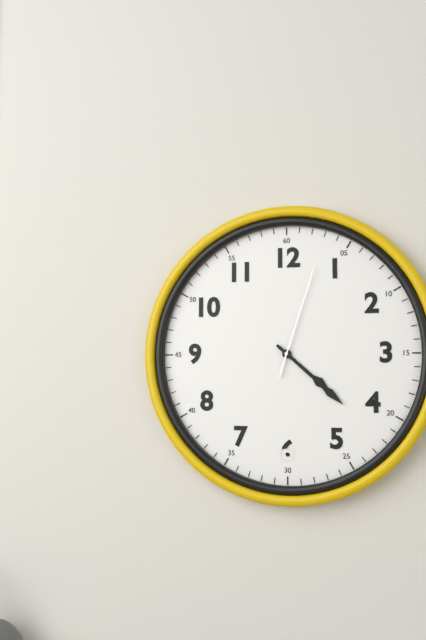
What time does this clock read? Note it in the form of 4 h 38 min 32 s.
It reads 4 h 22 min 03 s
